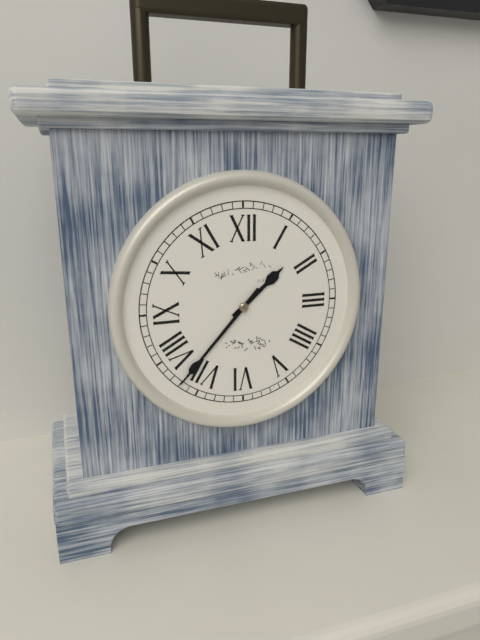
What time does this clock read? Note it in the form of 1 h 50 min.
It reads 1 h 37 min
